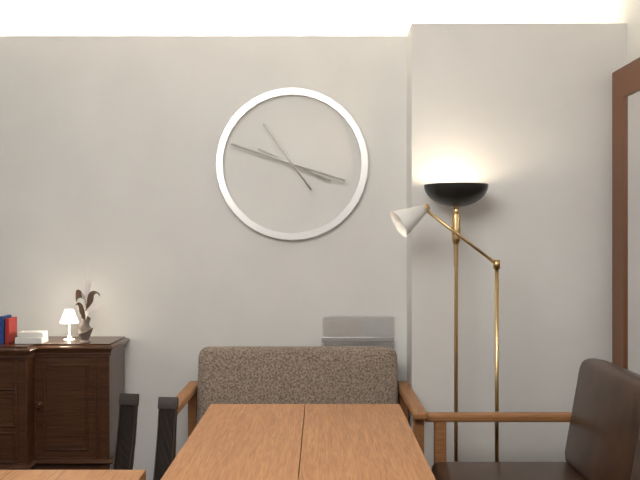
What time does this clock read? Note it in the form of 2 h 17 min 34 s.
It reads 3 h 48 min 54 s
